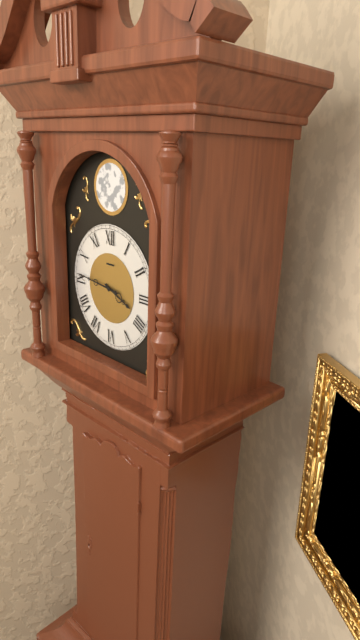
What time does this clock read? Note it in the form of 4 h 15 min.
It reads 3 h 46 min
